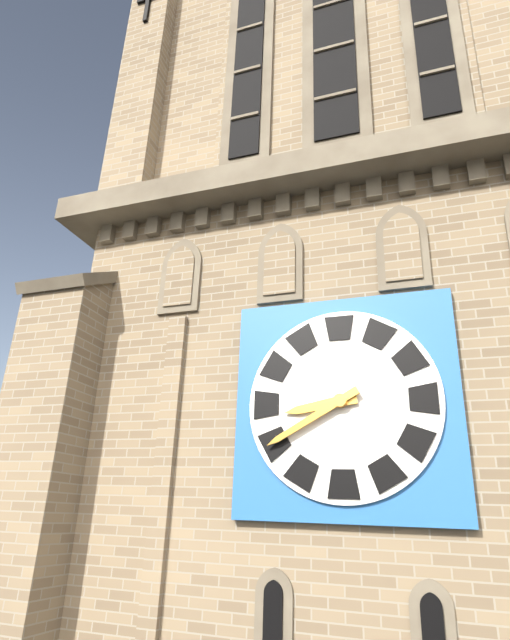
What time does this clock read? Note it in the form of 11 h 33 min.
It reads 8 h 40 min
